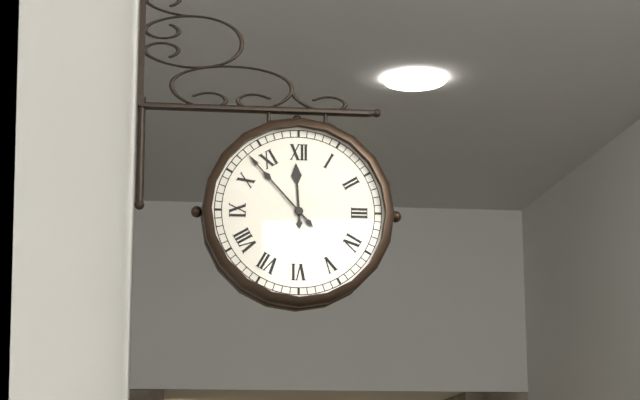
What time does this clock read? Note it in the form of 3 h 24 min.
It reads 11 h 53 min
